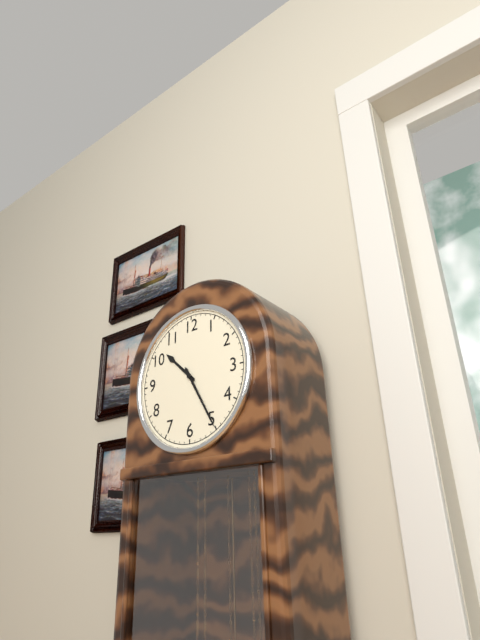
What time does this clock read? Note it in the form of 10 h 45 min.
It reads 10 h 25 min
